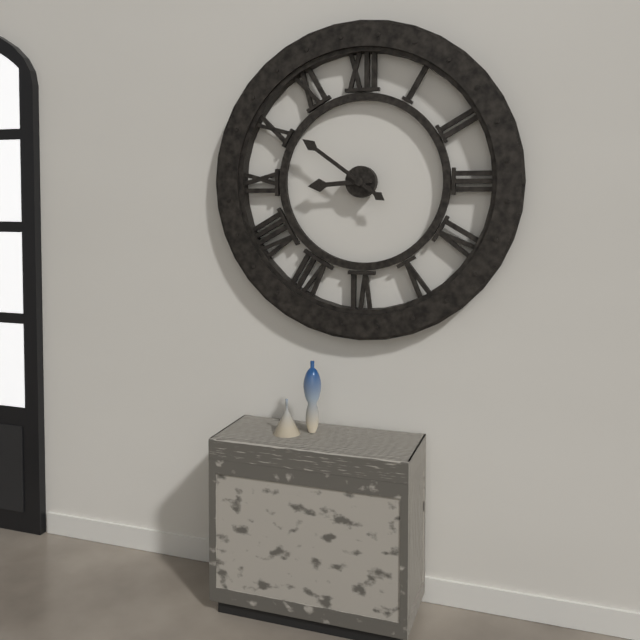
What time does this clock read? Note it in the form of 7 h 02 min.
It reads 8 h 51 min
